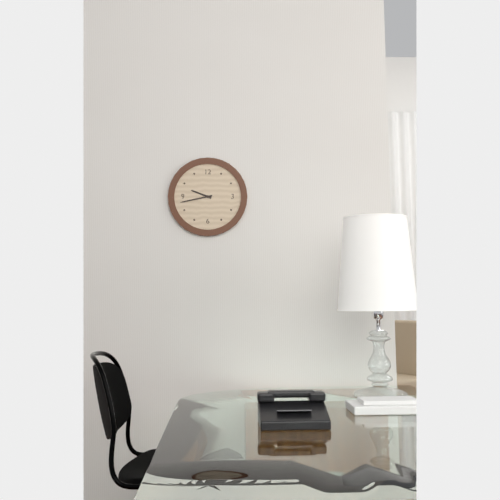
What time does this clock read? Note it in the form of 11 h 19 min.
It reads 9 h 43 min
